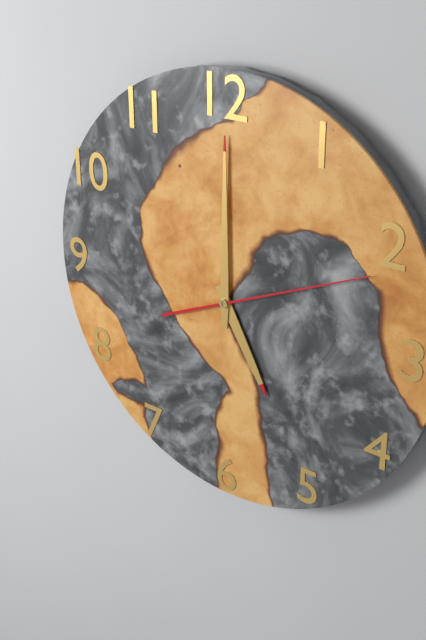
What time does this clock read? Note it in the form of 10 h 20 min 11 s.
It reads 5 h 00 min 11 s
